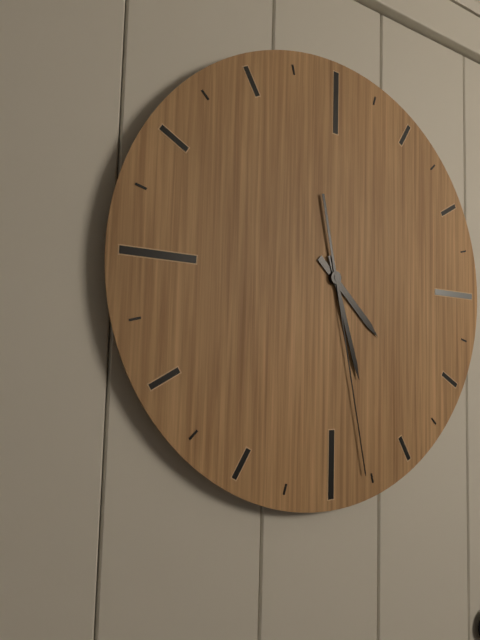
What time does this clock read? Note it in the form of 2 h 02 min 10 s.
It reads 4 h 27 min 28 s
